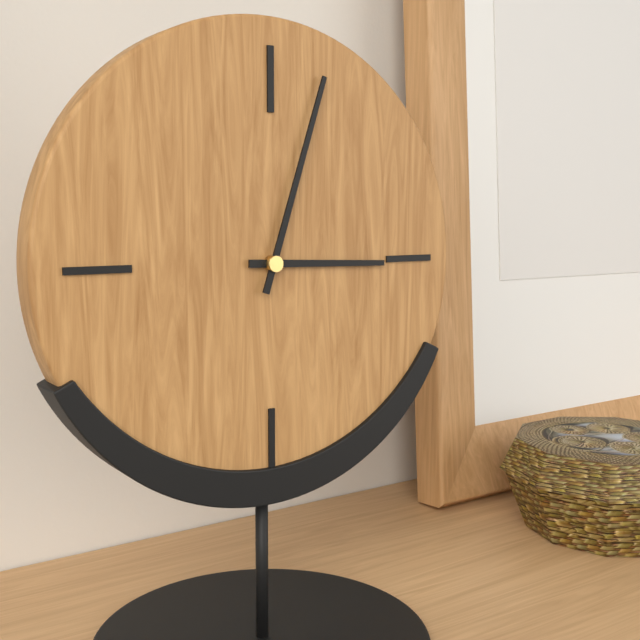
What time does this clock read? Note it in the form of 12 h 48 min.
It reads 3 h 03 min
